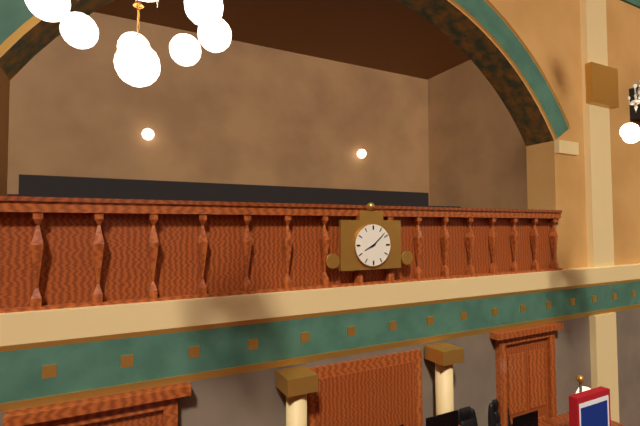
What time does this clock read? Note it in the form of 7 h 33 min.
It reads 8 h 08 min
